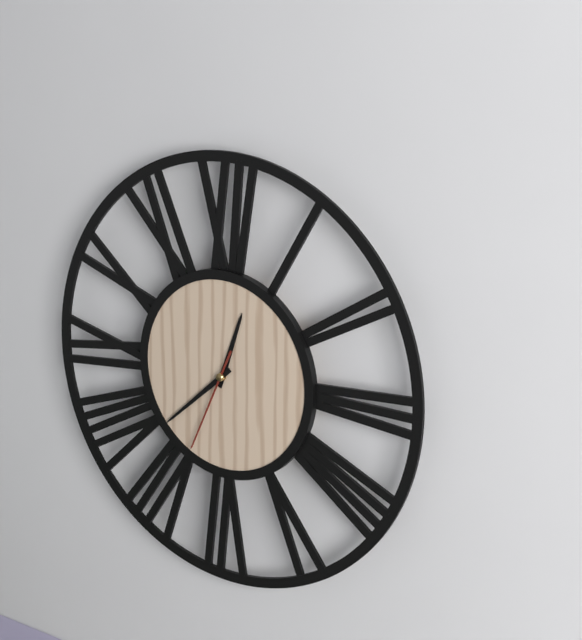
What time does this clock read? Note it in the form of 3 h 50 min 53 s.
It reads 12 h 38 min 34 s
